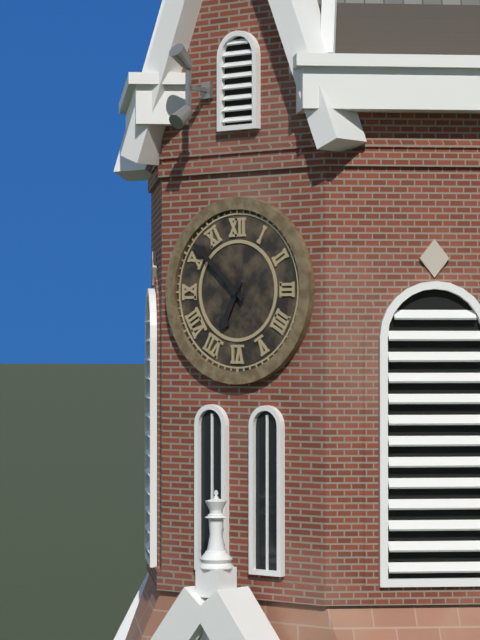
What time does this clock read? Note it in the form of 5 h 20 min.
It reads 6 h 52 min
